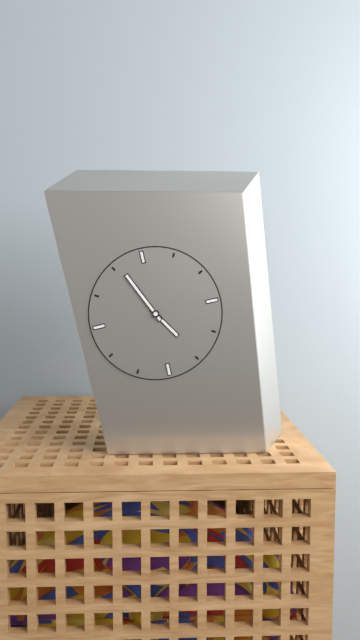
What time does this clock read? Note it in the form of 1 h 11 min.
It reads 4 h 56 min
